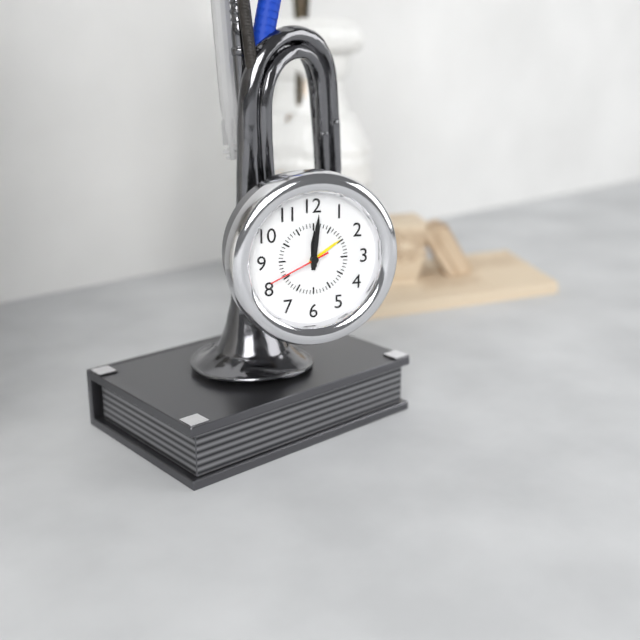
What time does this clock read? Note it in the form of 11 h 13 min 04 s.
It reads 12 h 01 min 41 s
